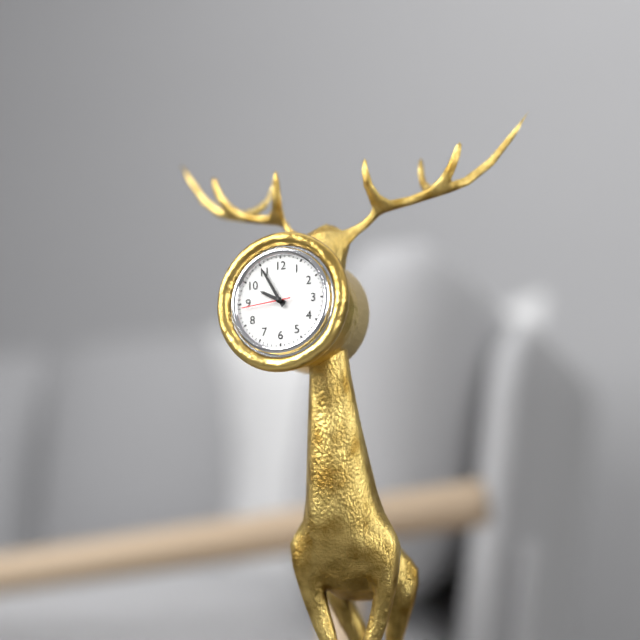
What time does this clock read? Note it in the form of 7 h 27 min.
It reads 9 h 55 min
